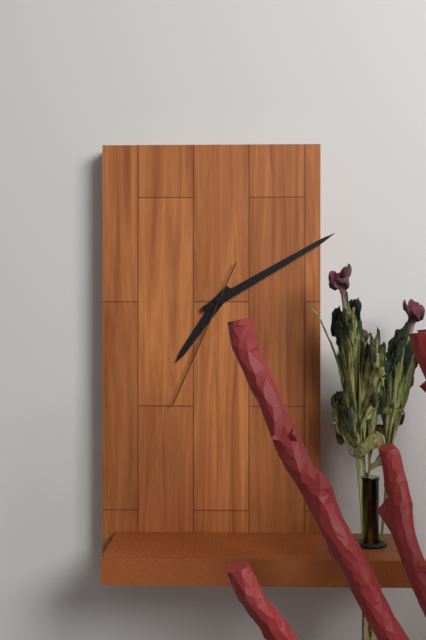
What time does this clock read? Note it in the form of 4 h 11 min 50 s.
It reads 7 h 10 min 34 s
